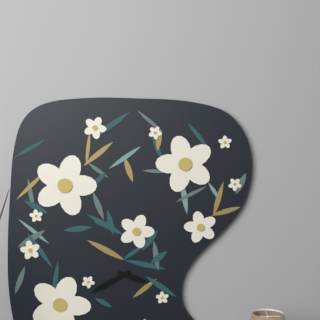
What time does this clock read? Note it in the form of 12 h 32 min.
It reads 3 h 40 min
